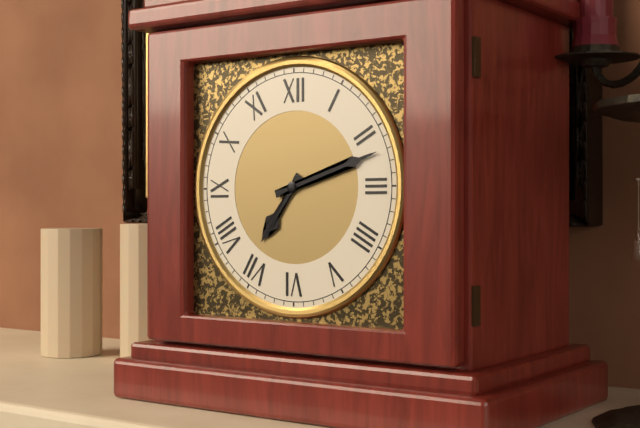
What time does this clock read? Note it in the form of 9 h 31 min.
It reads 7 h 12 min
